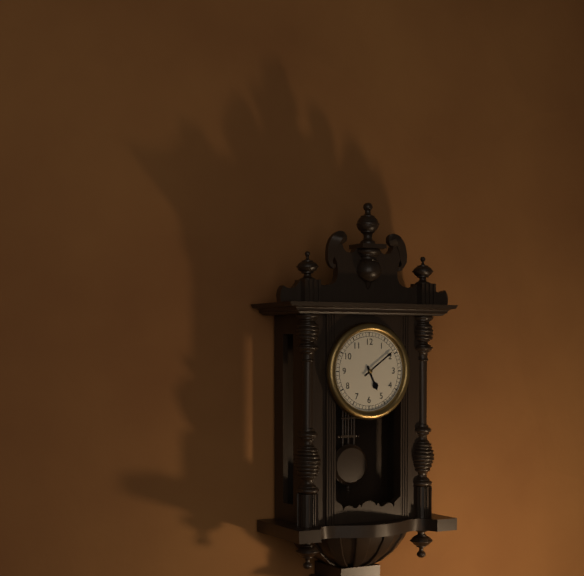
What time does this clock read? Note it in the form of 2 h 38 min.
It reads 5 h 09 min
